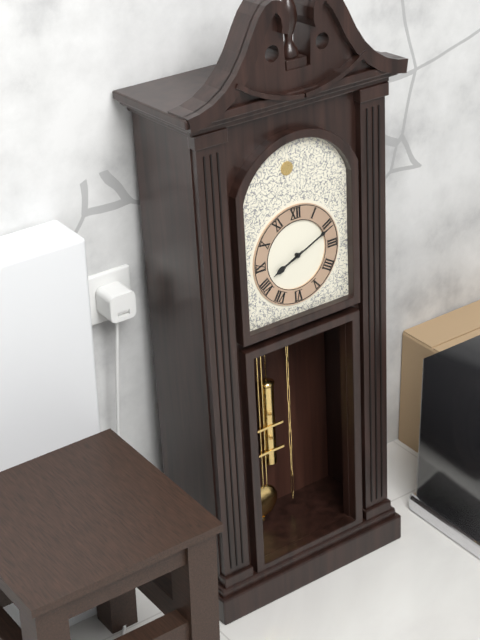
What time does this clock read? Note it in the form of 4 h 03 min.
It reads 8 h 11 min
